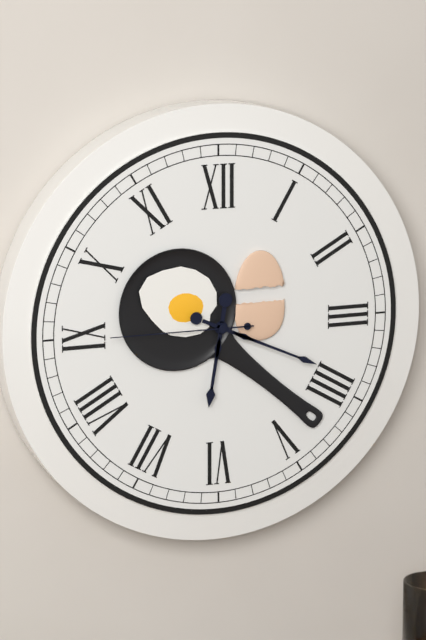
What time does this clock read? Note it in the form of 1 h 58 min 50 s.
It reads 6 h 19 min 45 s
